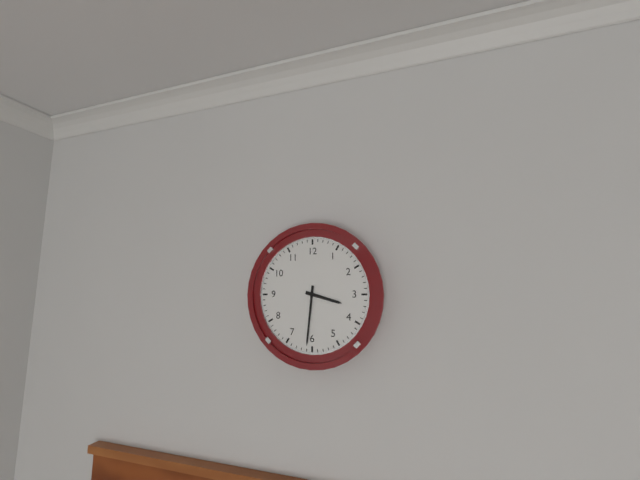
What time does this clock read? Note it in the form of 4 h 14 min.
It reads 3 h 31 min
